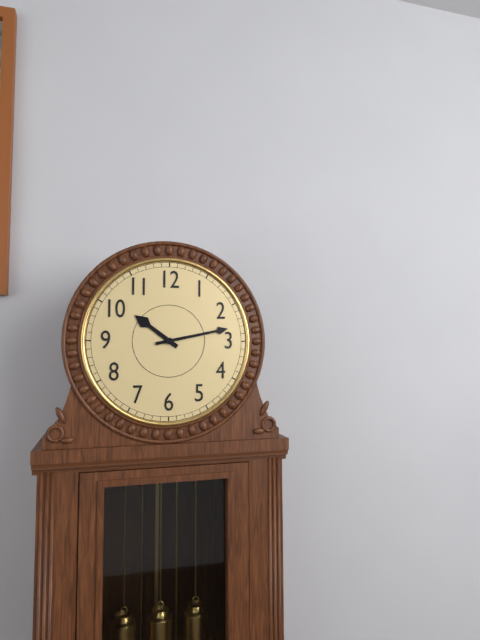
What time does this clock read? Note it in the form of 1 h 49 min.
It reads 10 h 13 min
